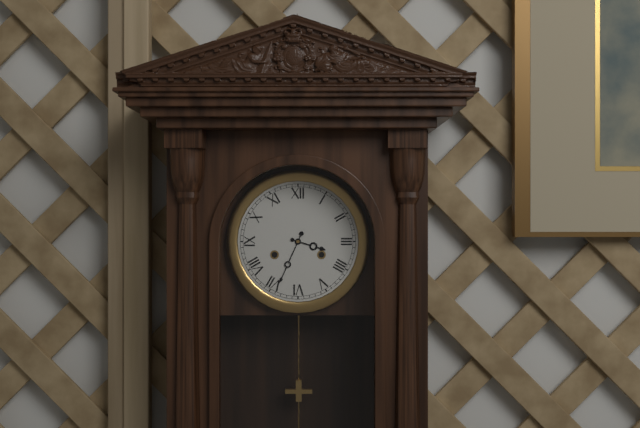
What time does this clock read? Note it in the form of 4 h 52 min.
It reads 3 h 34 min
